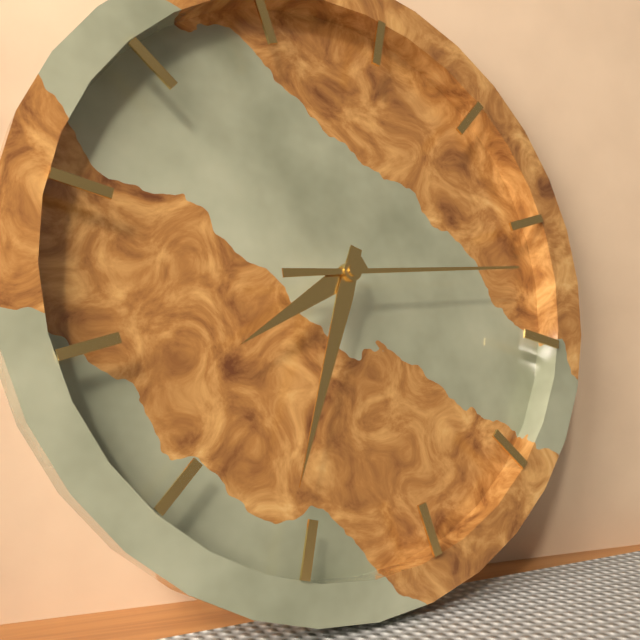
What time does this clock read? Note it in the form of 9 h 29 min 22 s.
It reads 7 h 31 min 12 s
